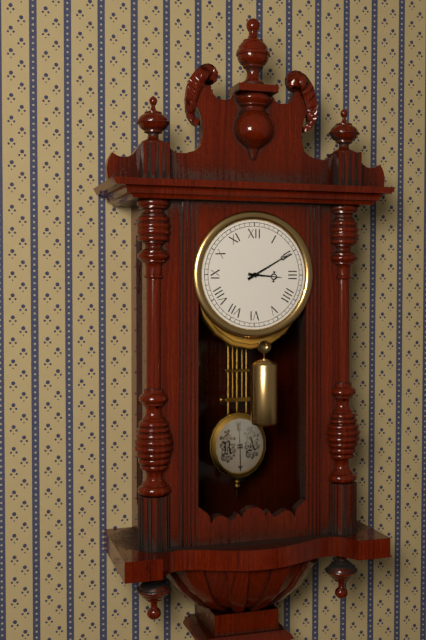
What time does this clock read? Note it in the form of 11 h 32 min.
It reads 3 h 10 min
